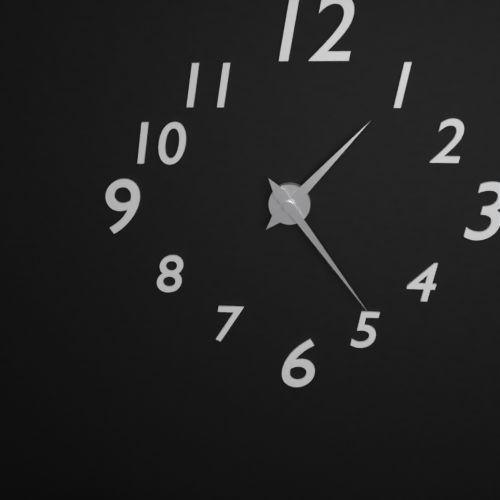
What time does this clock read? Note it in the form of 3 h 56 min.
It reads 1 h 24 min
